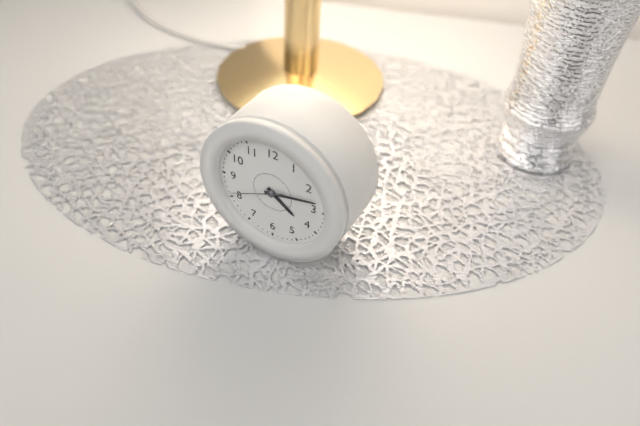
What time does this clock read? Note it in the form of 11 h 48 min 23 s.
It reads 4 h 13 min 41 s
